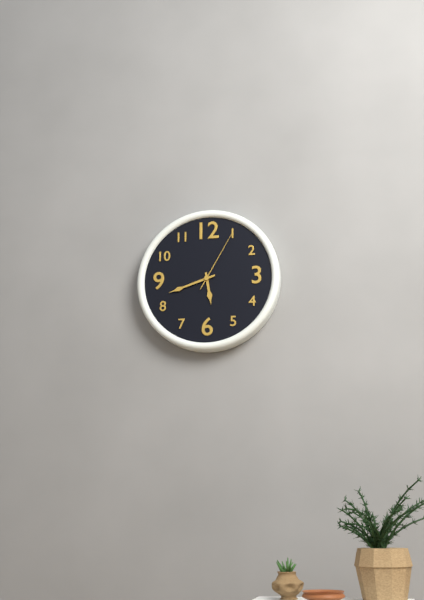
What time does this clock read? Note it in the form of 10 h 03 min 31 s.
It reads 5 h 42 min 05 s
